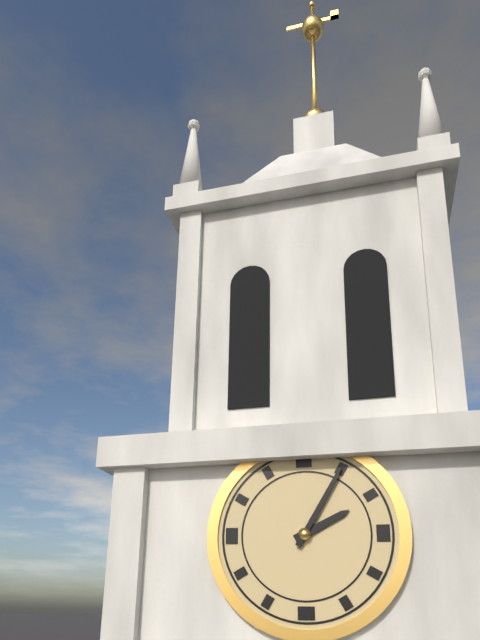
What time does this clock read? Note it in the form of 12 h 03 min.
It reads 2 h 05 min
